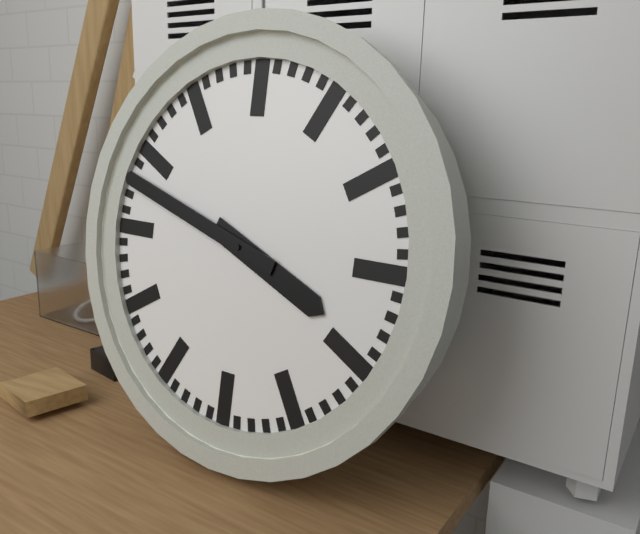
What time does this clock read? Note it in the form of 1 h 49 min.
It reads 3 h 48 min
